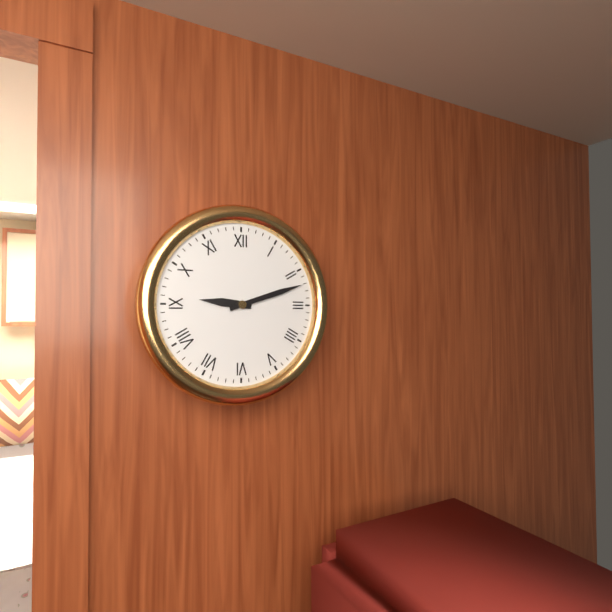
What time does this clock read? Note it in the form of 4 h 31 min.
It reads 9 h 12 min
